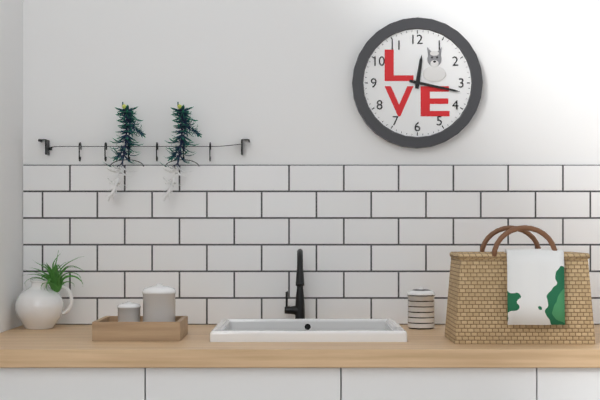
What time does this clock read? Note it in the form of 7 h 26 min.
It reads 12 h 17 min
